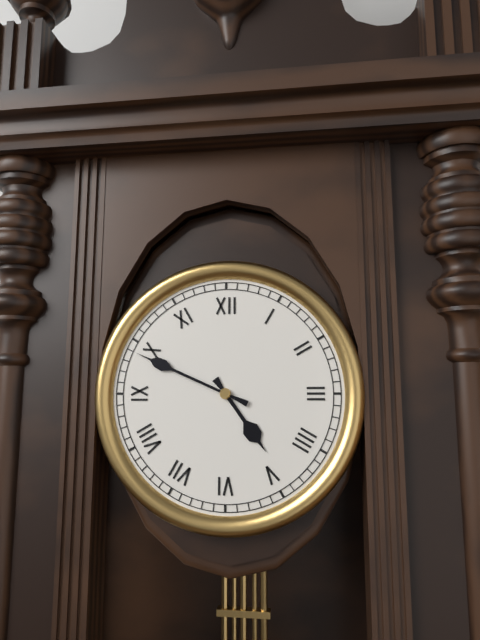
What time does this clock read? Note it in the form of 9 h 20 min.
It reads 4 h 49 min
